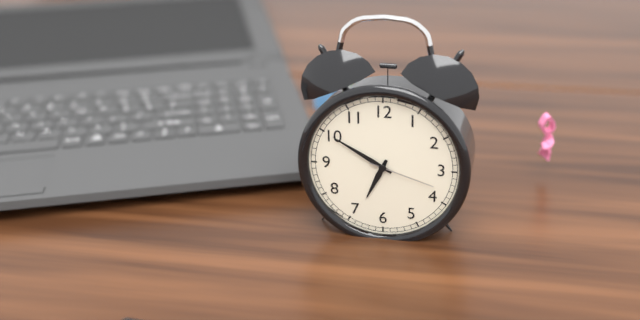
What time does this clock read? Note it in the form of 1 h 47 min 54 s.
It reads 6 h 50 min 18 s
